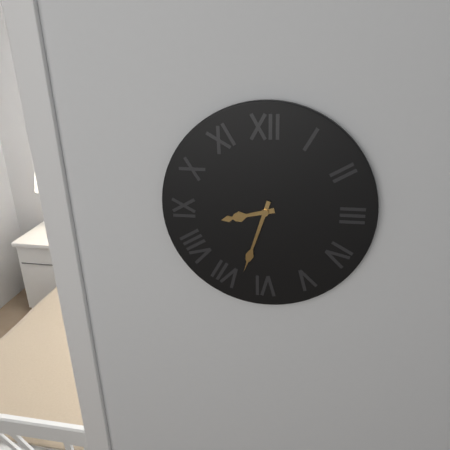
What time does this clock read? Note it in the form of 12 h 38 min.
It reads 8 h 33 min
